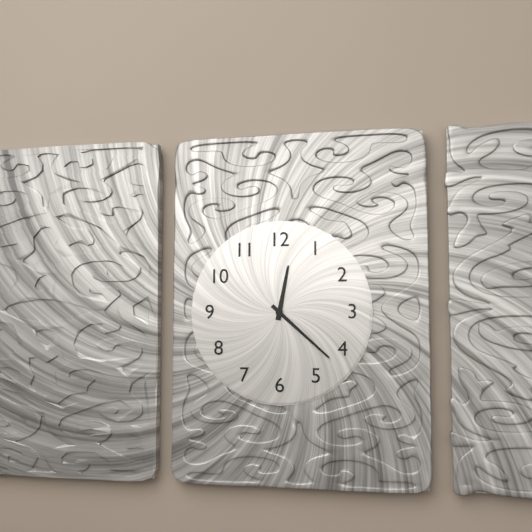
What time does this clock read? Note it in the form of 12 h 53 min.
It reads 12 h 22 min
